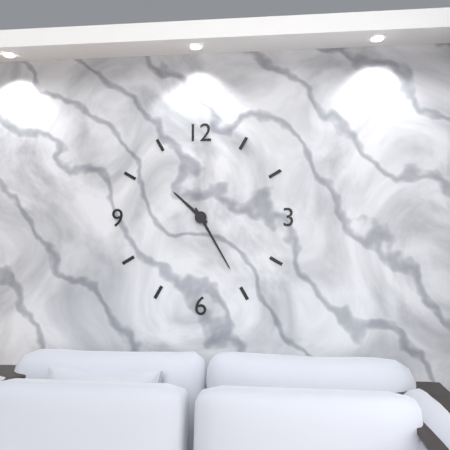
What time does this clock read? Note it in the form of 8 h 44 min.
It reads 10 h 25 min
